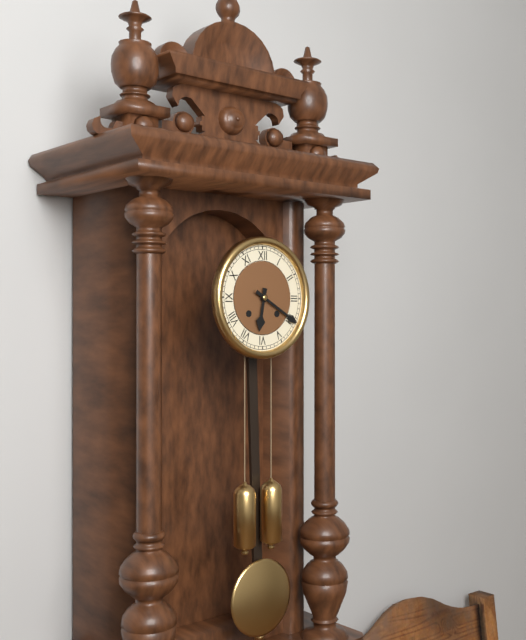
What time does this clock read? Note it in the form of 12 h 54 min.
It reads 6 h 20 min
